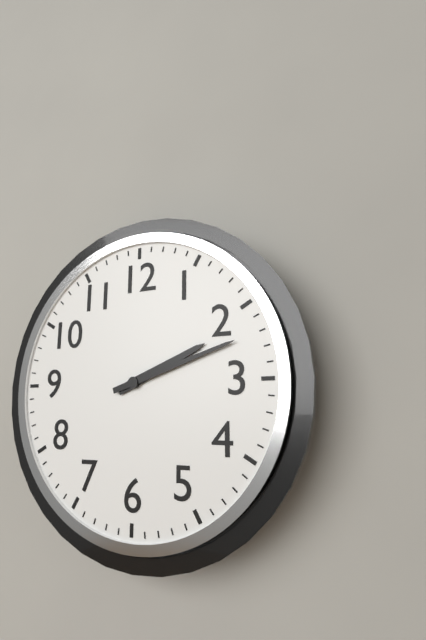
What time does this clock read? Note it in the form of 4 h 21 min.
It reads 2 h 12 min
